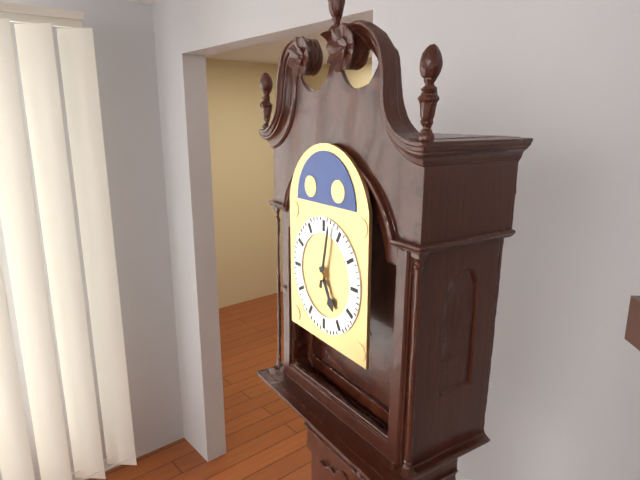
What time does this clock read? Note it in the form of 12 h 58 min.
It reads 5 h 02 min
